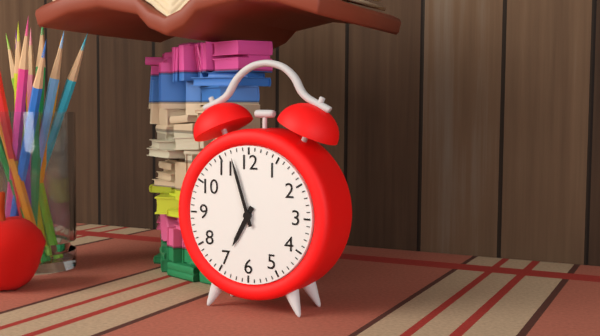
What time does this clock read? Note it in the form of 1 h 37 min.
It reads 6 h 57 min
